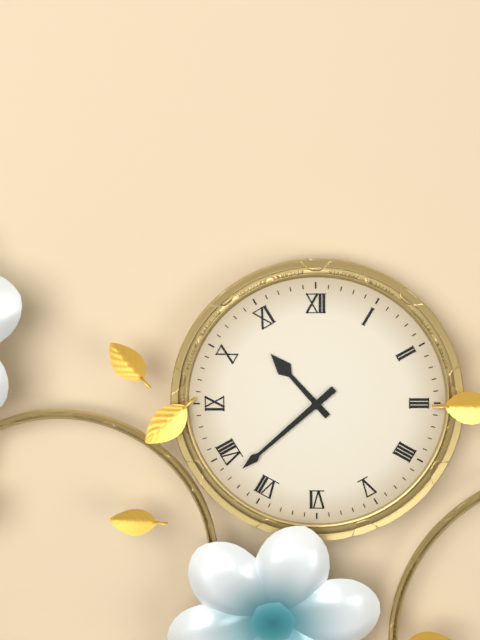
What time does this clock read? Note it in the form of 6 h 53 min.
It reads 10 h 38 min
